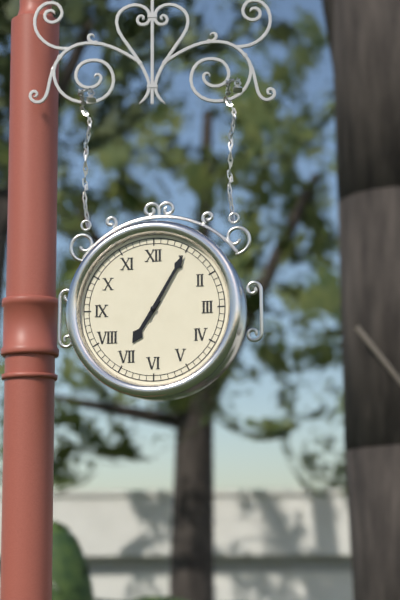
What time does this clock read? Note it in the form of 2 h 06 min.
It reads 7 h 05 min
